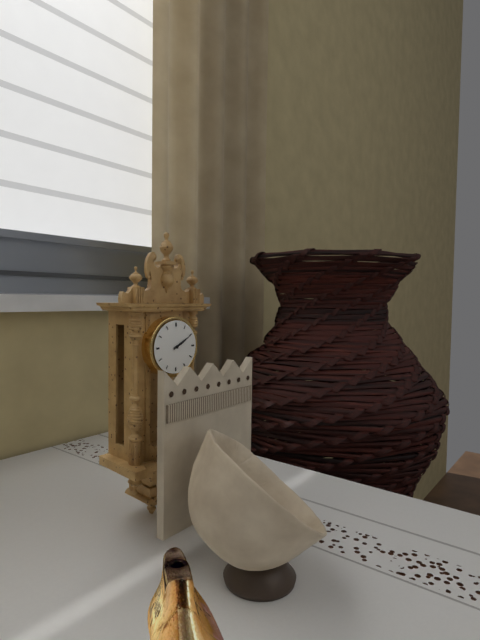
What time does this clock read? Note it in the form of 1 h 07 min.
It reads 2 h 10 min
